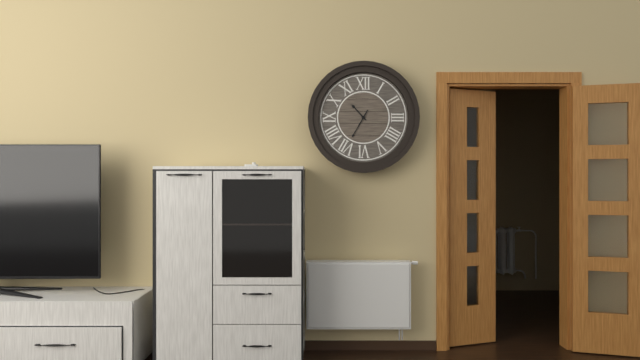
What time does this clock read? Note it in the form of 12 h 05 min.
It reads 10 h 35 min
